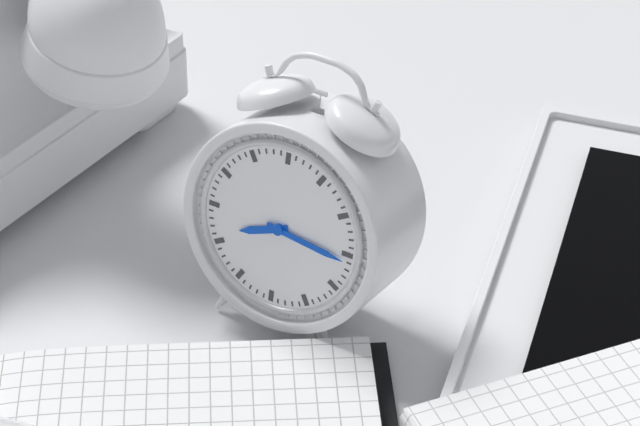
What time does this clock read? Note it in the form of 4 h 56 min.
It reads 8 h 16 min
